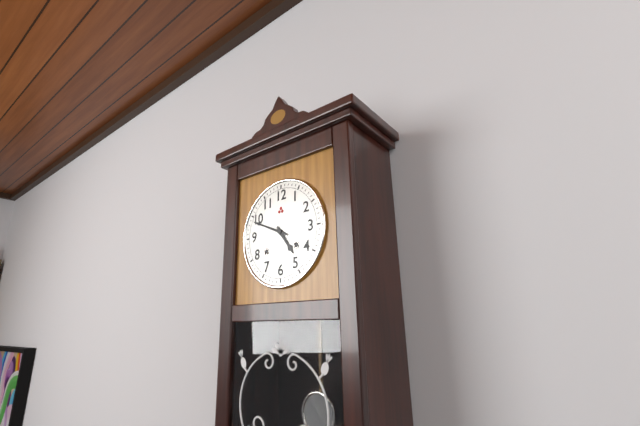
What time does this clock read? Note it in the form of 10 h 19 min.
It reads 4 h 49 min
